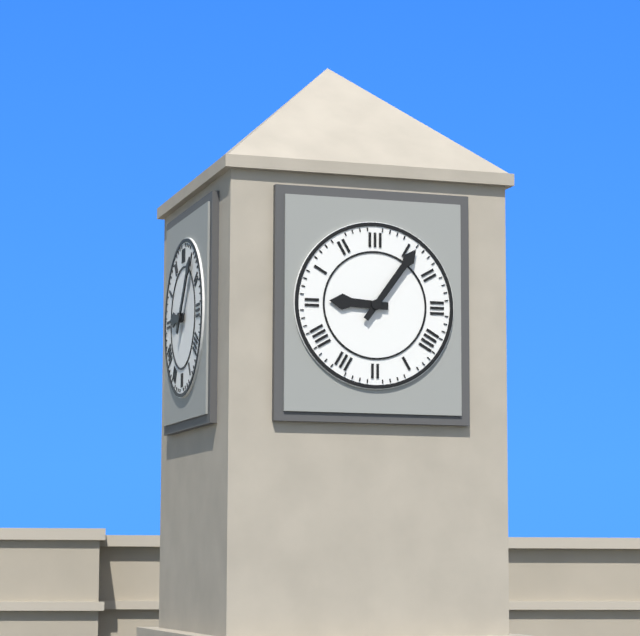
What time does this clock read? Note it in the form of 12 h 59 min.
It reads 9 h 06 min
